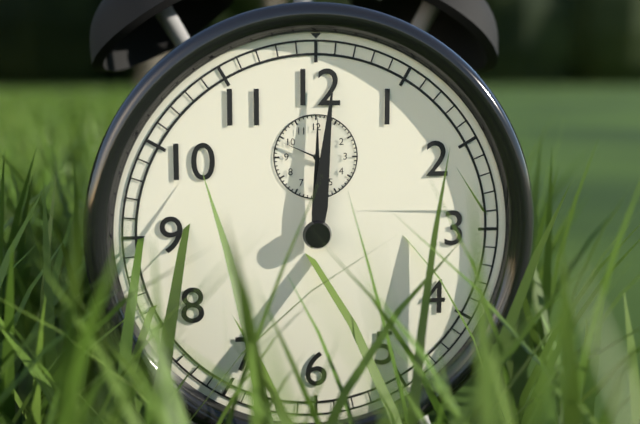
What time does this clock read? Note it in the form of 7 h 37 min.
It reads 12 h 01 min
